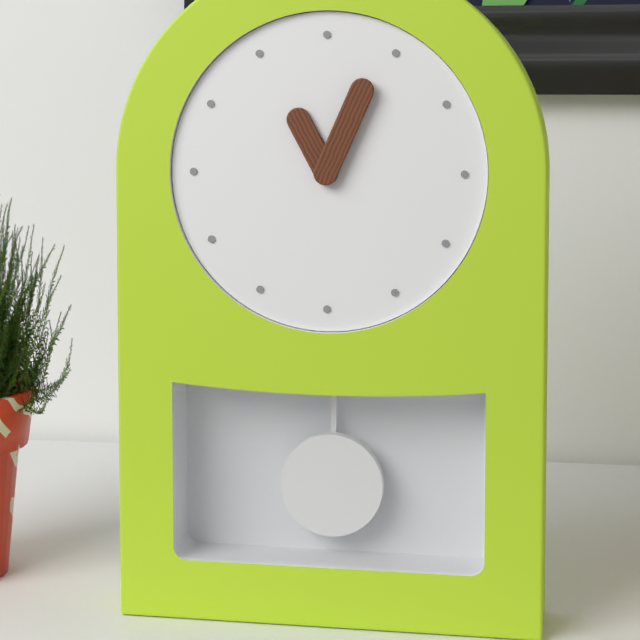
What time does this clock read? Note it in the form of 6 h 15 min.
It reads 11 h 04 min
